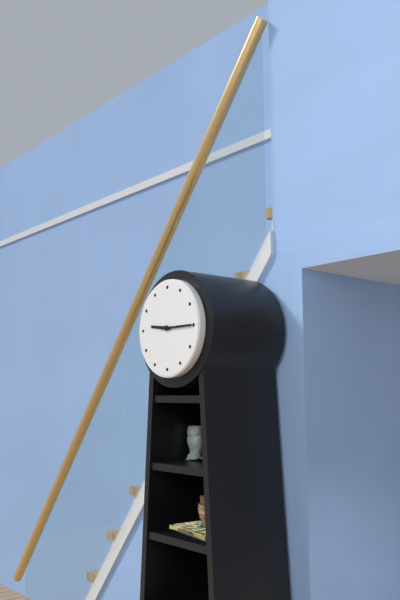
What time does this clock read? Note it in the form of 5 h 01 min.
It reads 9 h 15 min
